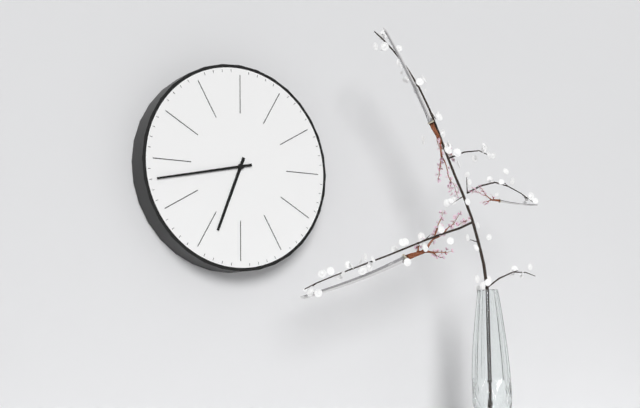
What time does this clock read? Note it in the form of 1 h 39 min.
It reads 6 h 43 min
